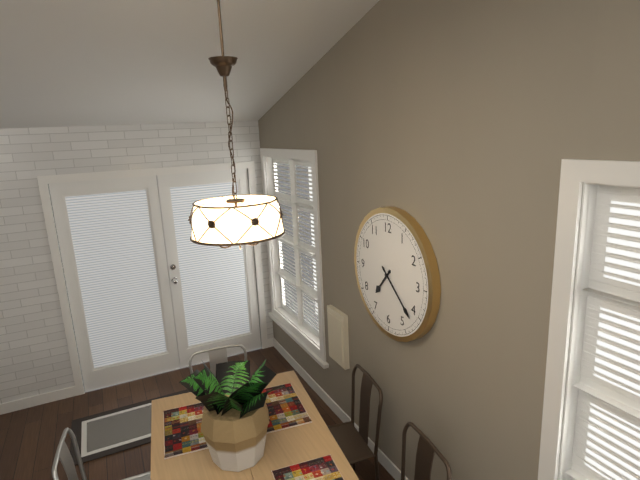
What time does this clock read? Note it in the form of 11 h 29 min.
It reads 7 h 22 min
